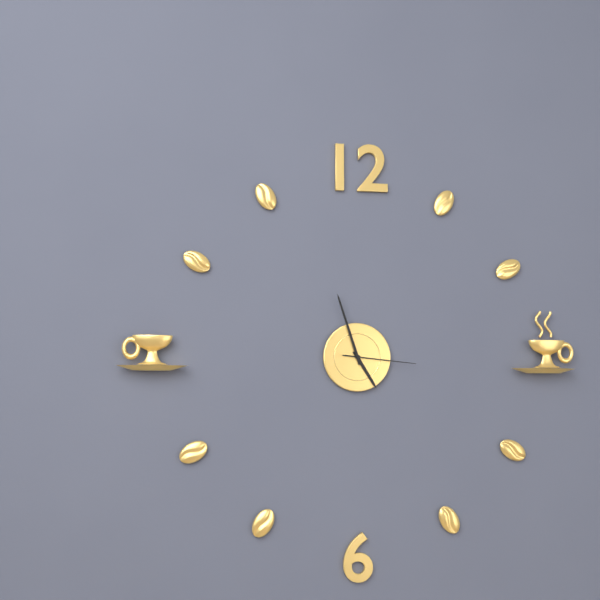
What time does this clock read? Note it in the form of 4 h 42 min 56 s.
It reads 4 h 57 min 16 s
